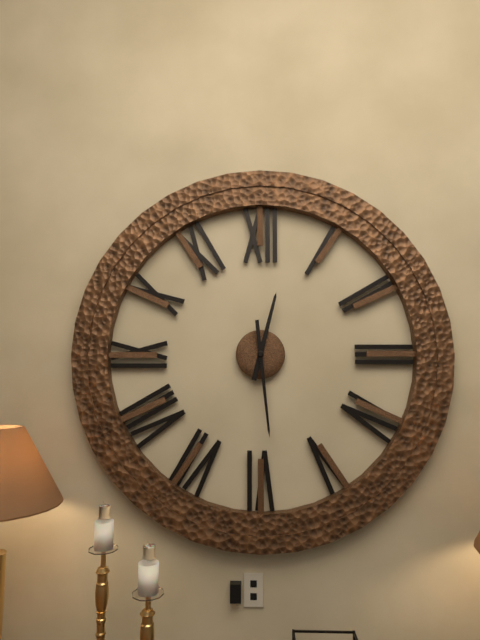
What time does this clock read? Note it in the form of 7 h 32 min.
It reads 12 h 29 min
